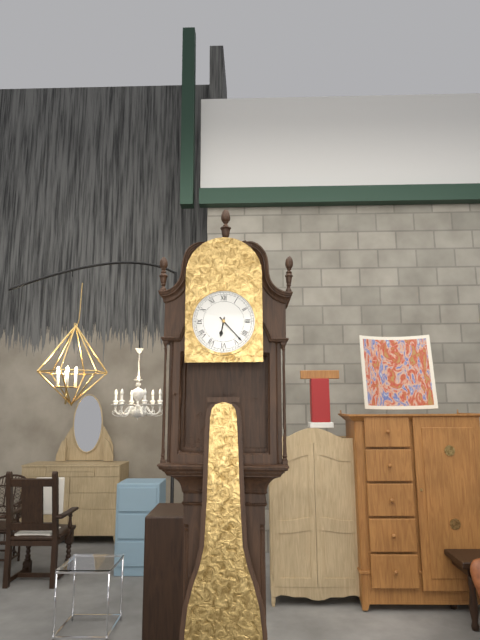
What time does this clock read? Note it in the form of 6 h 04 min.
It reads 6 h 23 min
